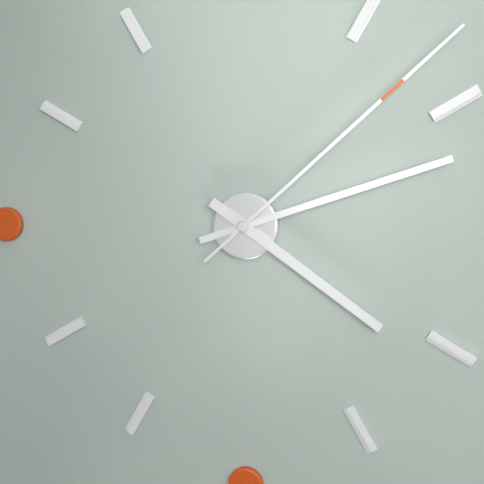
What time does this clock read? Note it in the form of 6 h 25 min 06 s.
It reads 4 h 12 min 08 s
